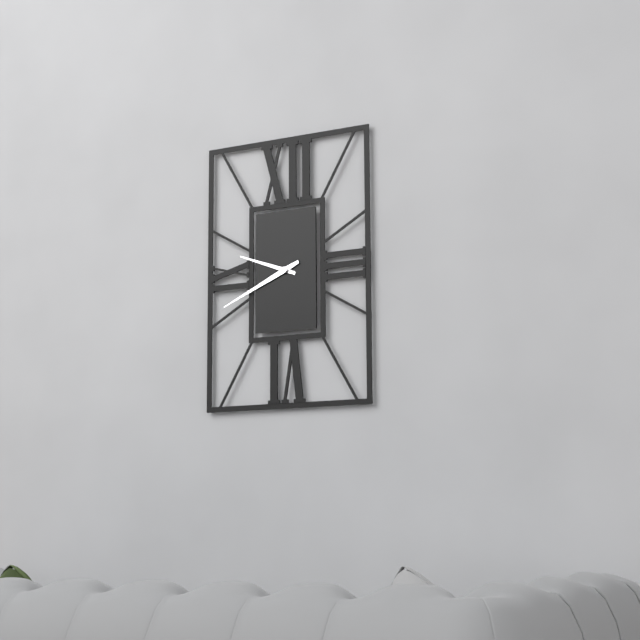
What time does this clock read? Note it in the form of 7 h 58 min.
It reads 9 h 41 min
